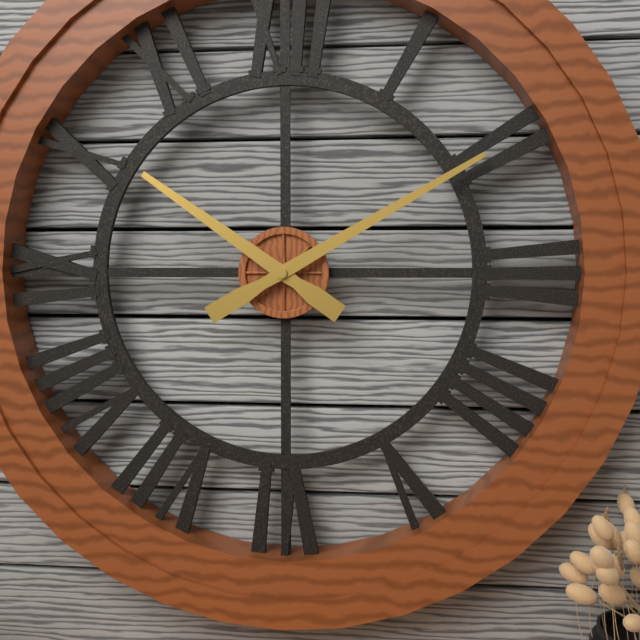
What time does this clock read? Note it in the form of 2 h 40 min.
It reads 10 h 10 min
